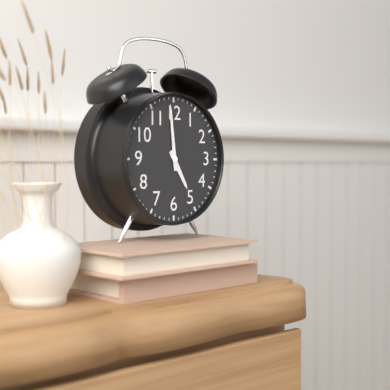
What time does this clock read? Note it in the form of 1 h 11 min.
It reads 4 h 59 min
